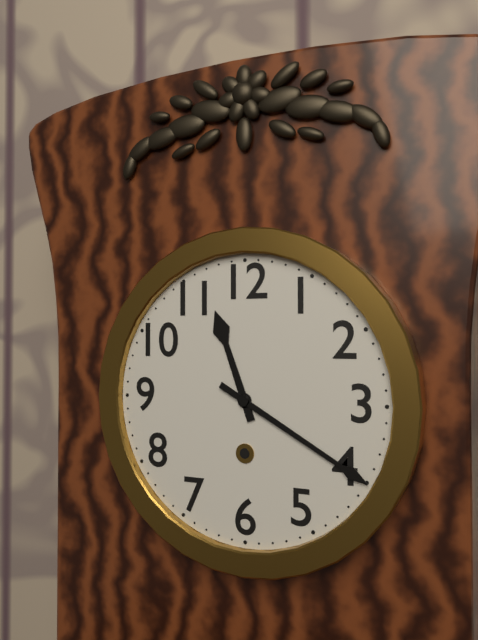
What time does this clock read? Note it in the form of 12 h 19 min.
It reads 11 h 20 min
